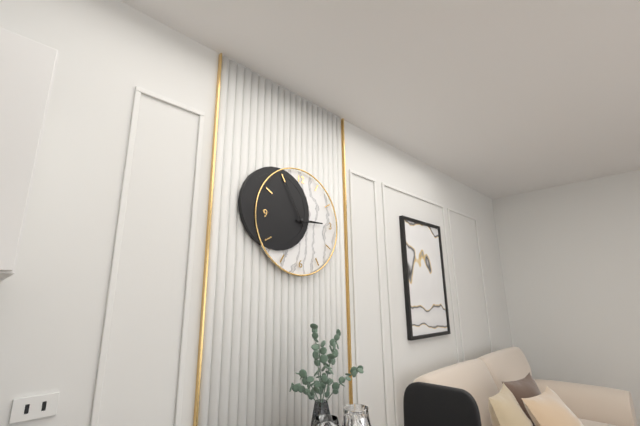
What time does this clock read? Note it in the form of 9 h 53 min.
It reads 2 h 55 min
